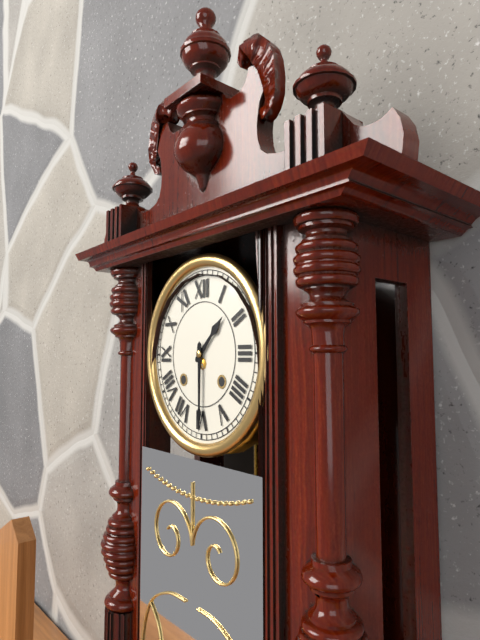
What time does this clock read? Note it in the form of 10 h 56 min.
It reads 1 h 30 min
